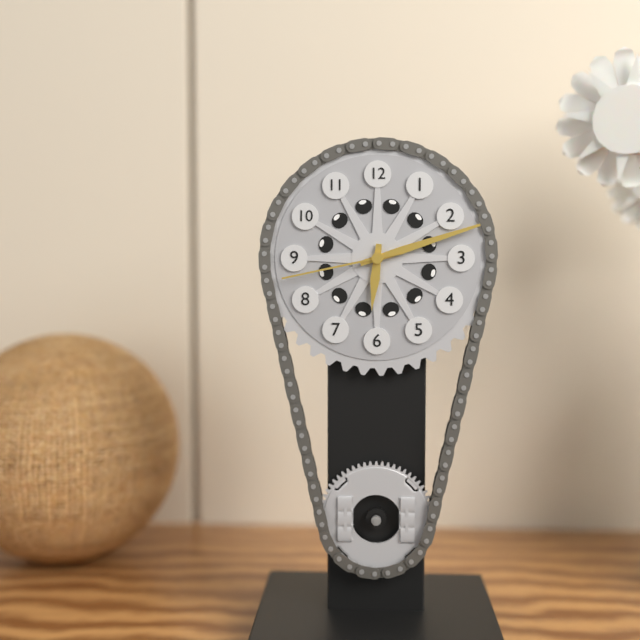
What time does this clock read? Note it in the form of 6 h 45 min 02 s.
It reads 6 h 12 min 43 s
